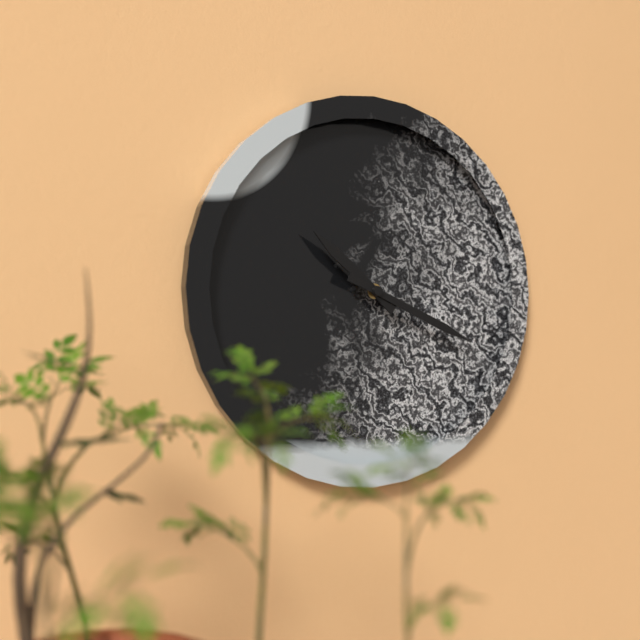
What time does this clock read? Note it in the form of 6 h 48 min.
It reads 10 h 19 min
